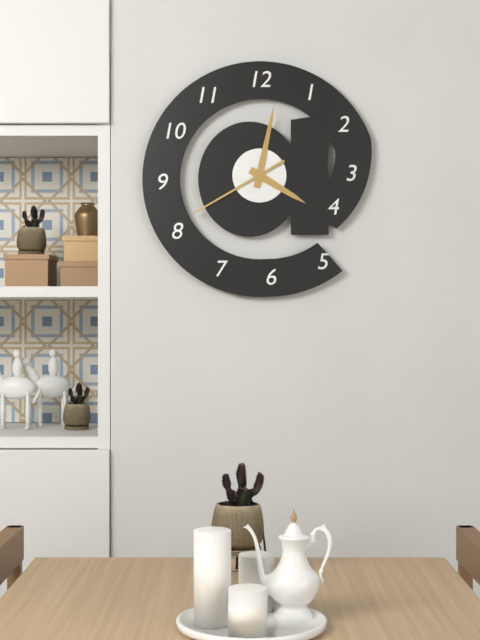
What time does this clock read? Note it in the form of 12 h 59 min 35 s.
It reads 4 h 02 min 40 s
